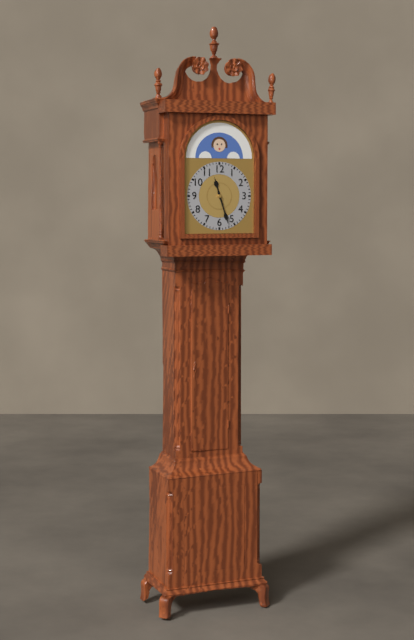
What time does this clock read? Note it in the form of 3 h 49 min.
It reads 11 h 27 min
